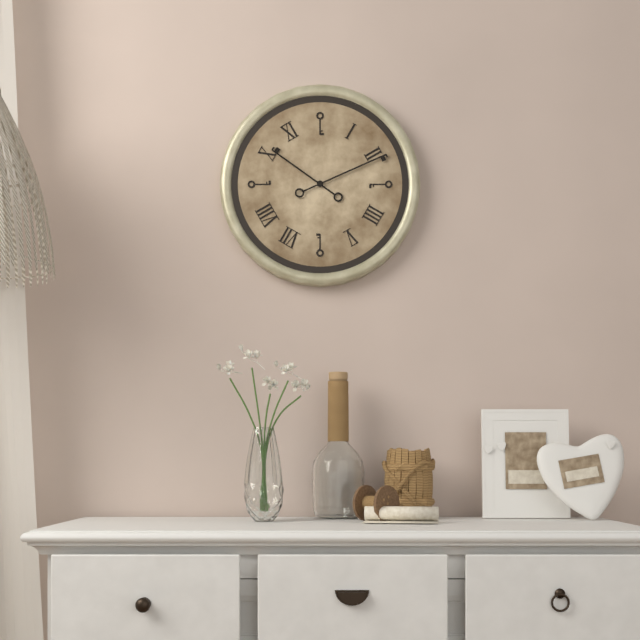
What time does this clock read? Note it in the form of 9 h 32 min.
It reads 10 h 11 min
